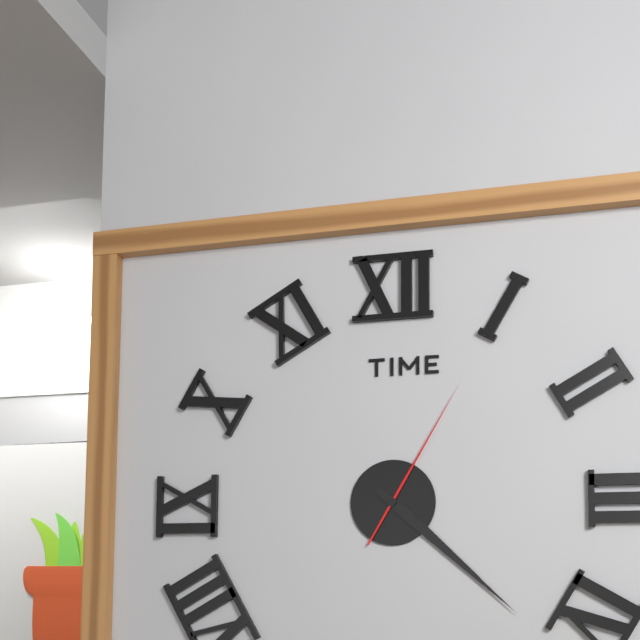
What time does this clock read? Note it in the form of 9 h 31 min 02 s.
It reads 4 h 22 min 05 s
